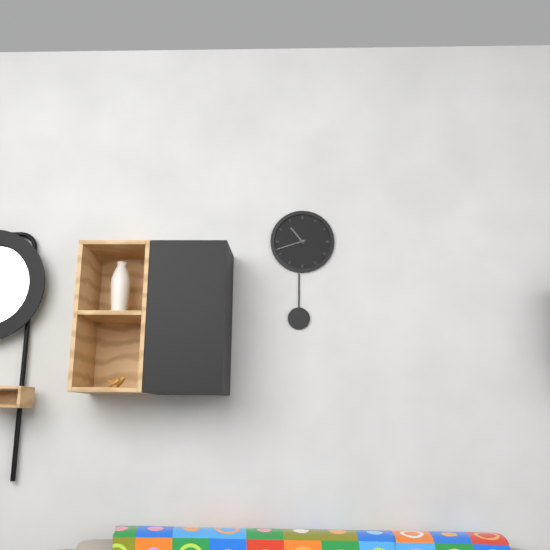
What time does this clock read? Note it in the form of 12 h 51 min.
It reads 10 h 42 min
